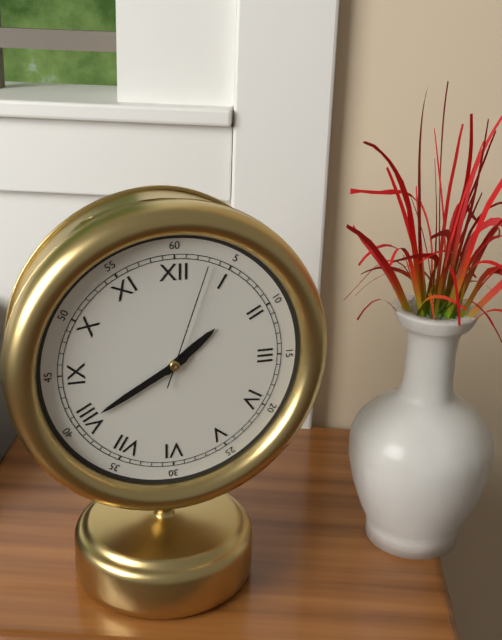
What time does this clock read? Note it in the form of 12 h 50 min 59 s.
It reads 1 h 40 min 03 s
